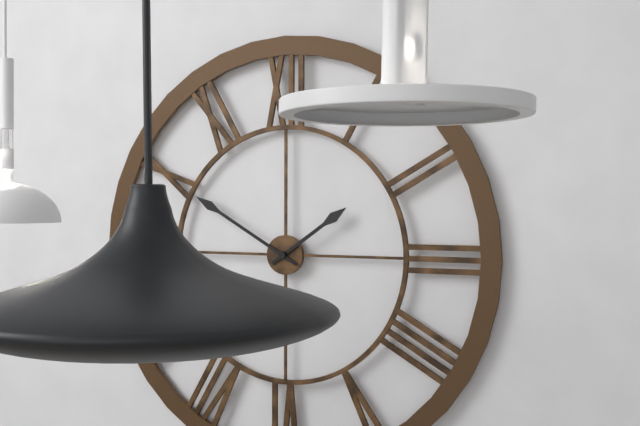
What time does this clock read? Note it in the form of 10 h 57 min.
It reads 1 h 50 min
